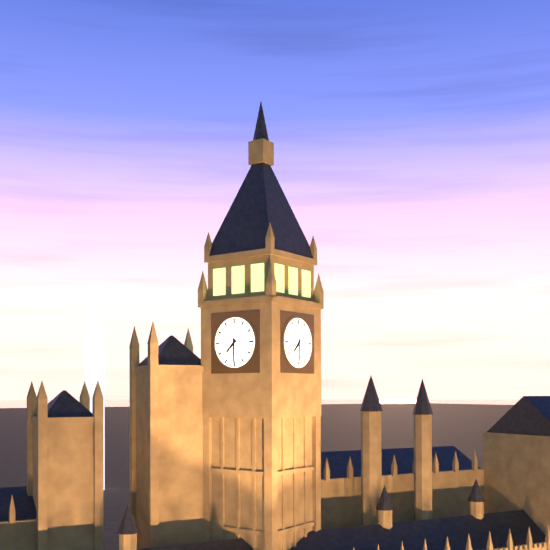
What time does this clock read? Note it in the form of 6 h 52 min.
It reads 7 h 30 min
